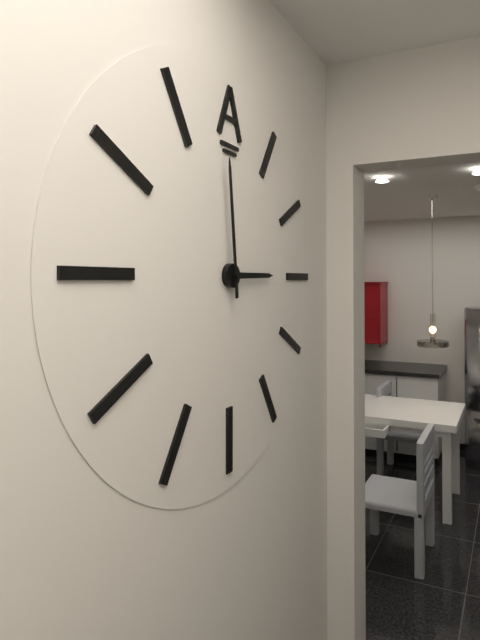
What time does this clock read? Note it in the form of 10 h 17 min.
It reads 2 h 59 min
